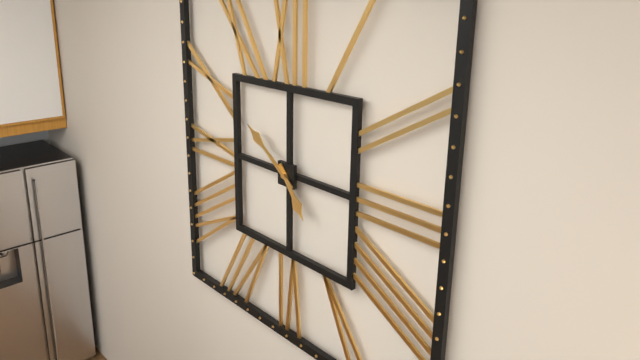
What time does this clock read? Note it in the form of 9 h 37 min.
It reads 4 h 51 min
